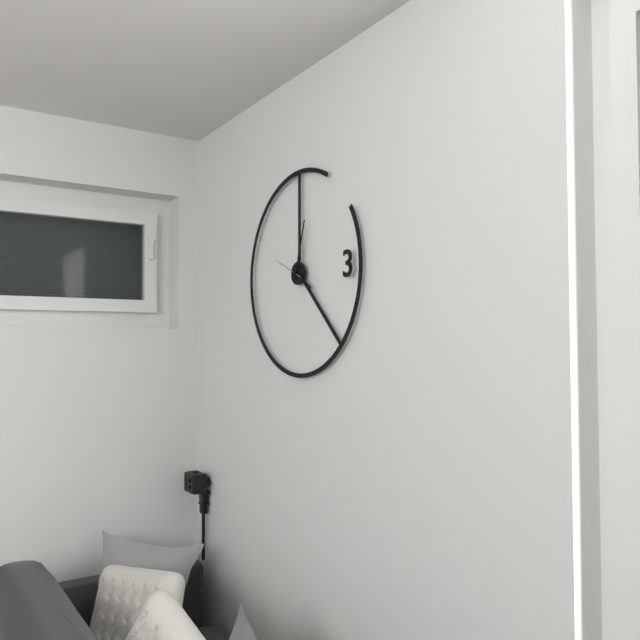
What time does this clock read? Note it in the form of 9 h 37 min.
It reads 4 h 03 min
